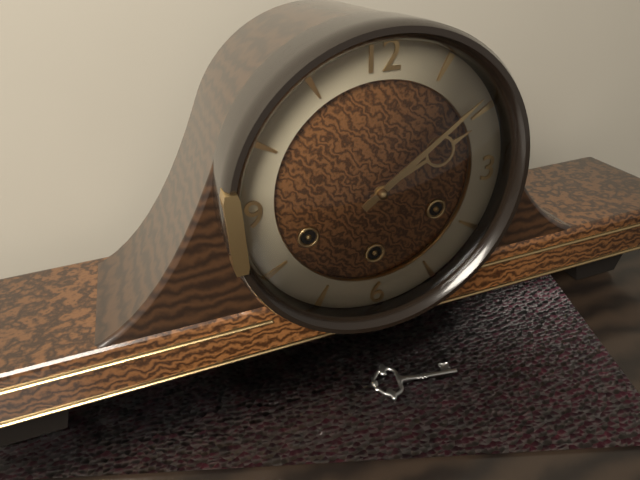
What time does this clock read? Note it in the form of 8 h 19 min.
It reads 2 h 09 min
